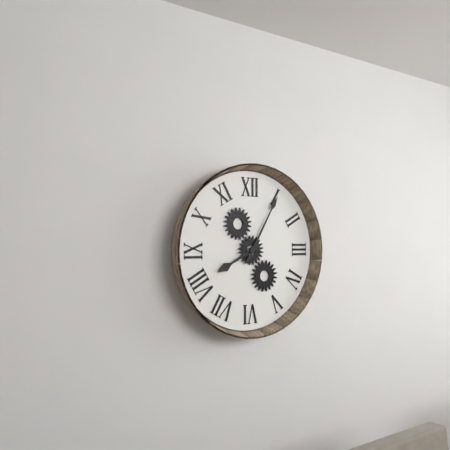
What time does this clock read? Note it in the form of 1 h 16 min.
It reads 8 h 05 min
